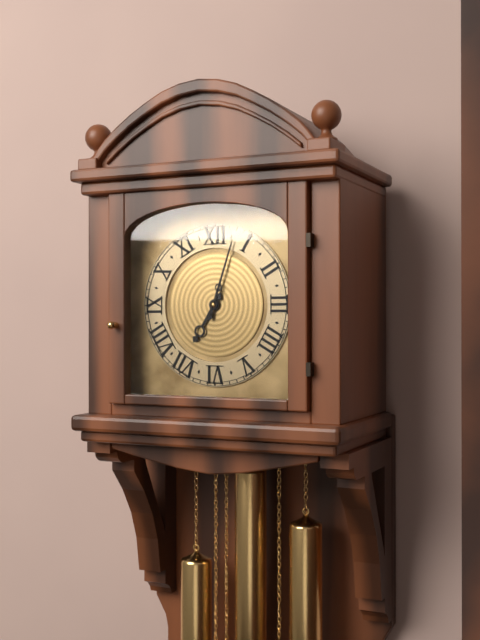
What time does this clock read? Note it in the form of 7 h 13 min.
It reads 7 h 03 min
